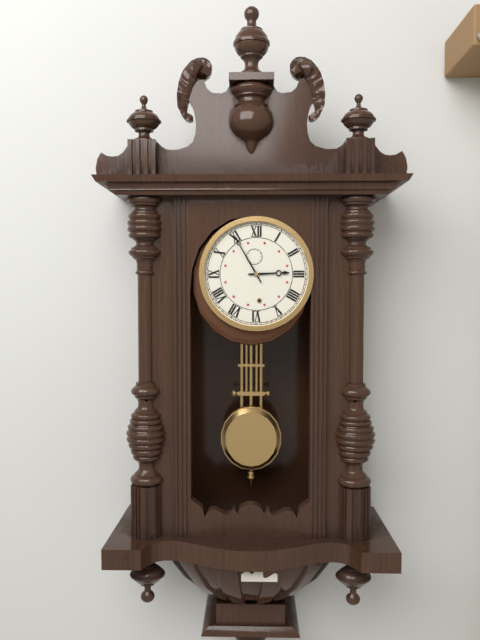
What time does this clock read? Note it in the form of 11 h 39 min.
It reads 2 h 55 min
